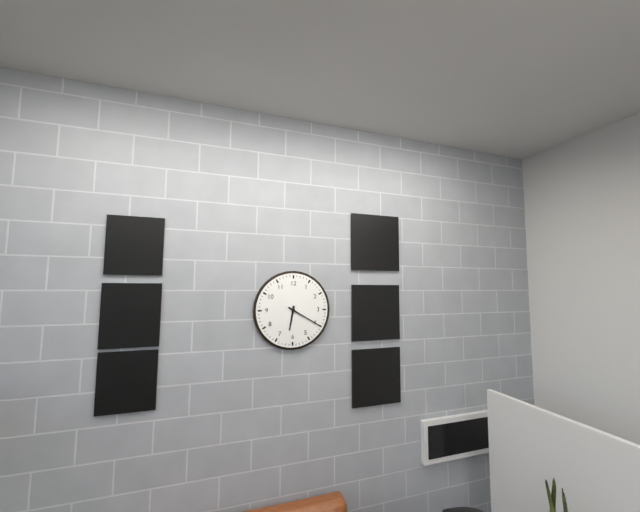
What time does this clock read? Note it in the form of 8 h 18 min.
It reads 6 h 20 min
